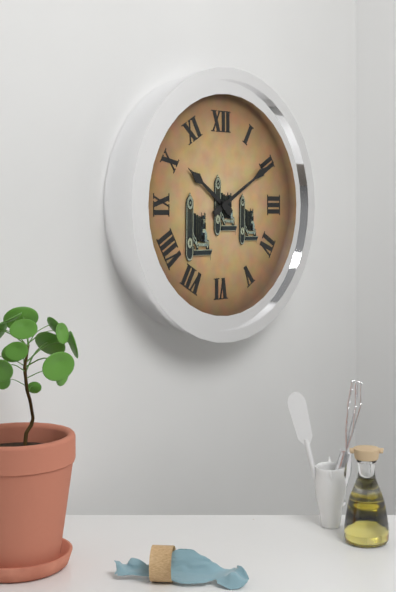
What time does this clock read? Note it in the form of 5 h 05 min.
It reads 10 h 10 min
